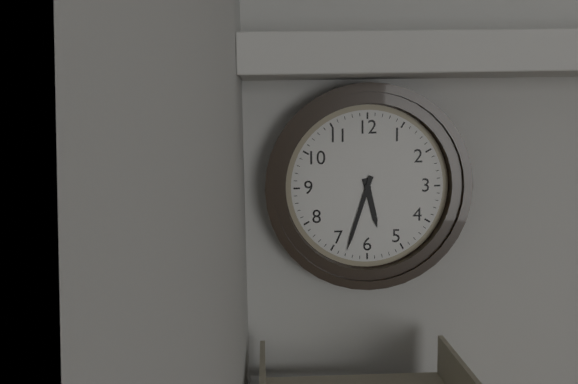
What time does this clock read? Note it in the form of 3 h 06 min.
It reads 5 h 33 min
